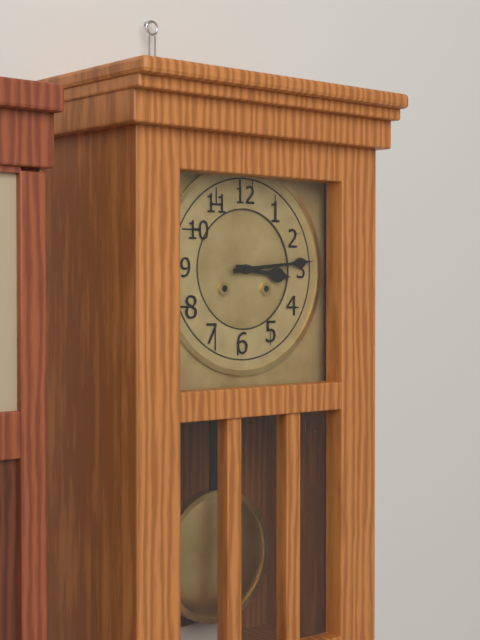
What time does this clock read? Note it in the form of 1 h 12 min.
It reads 3 h 14 min
